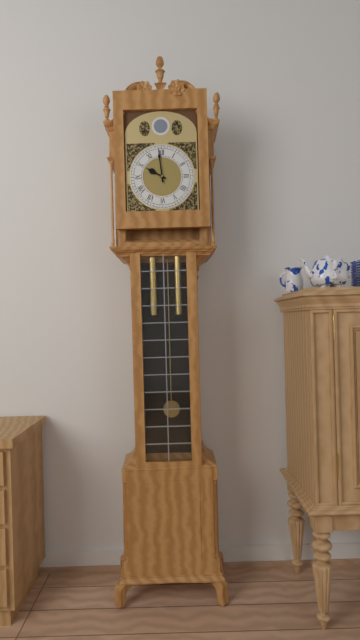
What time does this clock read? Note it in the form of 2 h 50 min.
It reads 9 h 59 min
